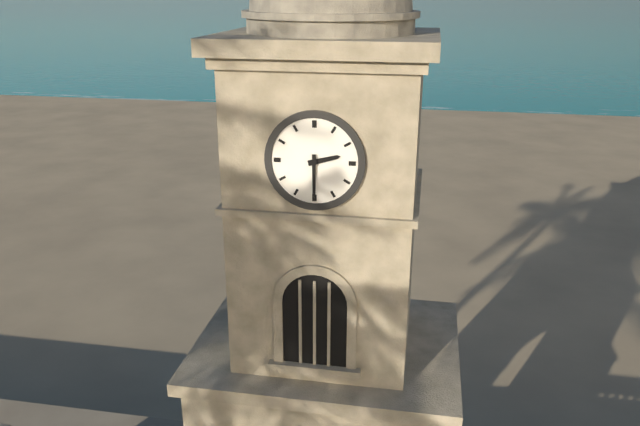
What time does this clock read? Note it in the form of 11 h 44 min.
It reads 2 h 30 min
